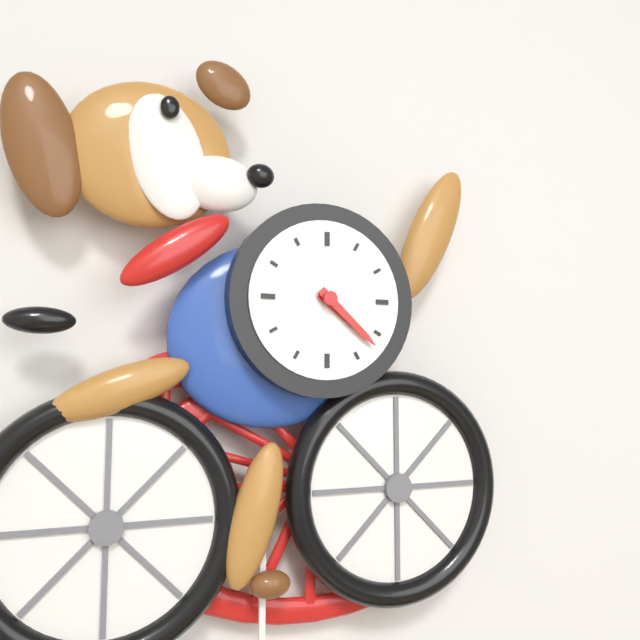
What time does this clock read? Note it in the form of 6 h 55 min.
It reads 4 h 22 min
